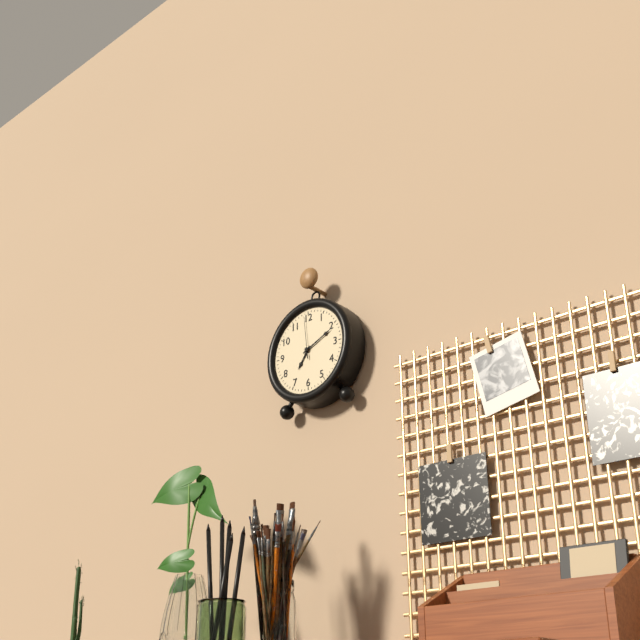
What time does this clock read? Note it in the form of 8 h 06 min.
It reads 7 h 11 min
